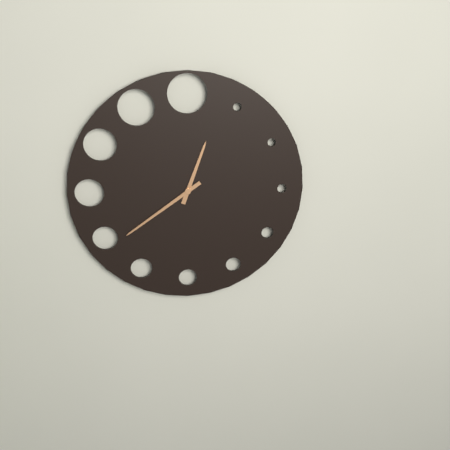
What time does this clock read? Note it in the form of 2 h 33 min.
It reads 12 h 39 min
